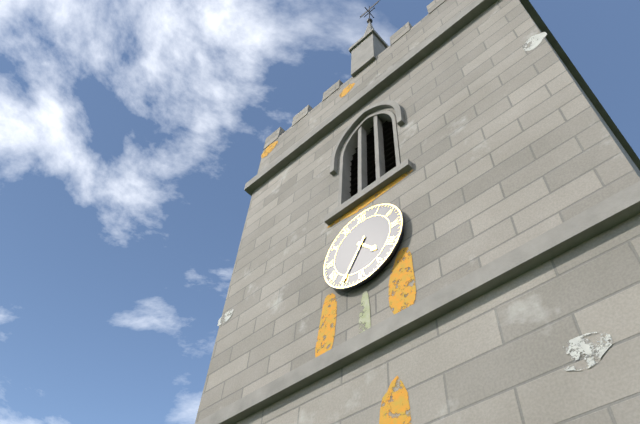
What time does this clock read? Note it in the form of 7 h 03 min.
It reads 4 h 35 min
